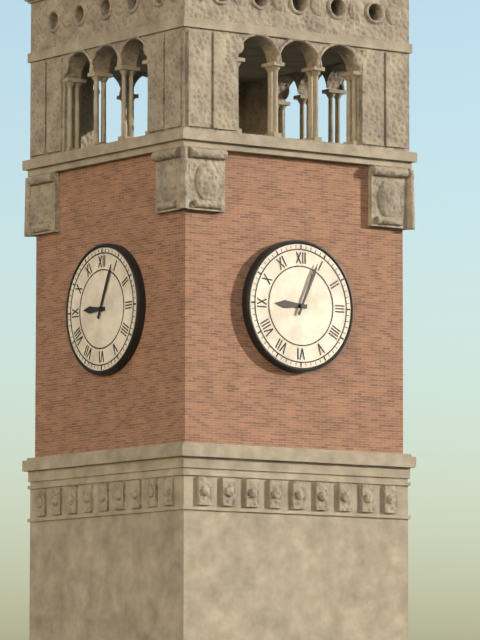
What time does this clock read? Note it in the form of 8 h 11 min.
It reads 9 h 04 min
